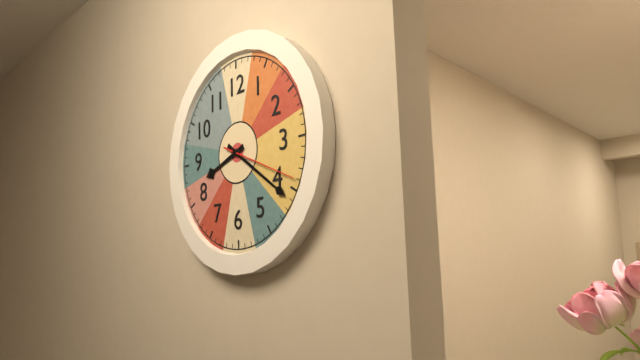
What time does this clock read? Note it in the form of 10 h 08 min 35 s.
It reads 8 h 21 min 19 s
